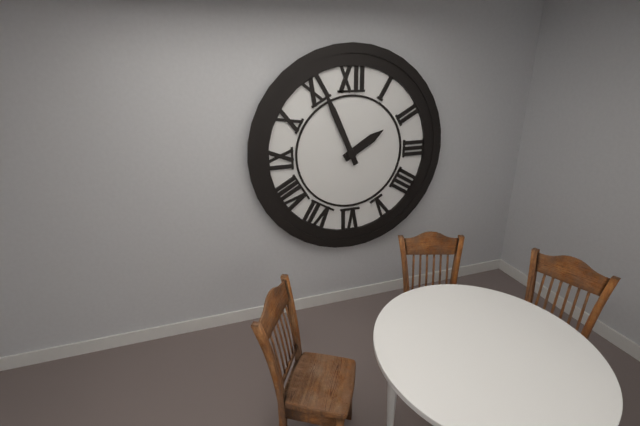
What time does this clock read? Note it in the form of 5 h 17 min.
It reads 1 h 56 min
